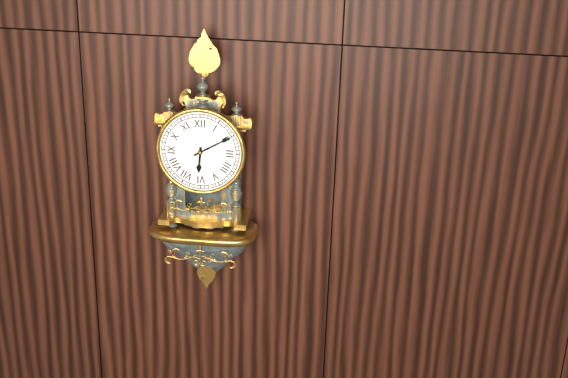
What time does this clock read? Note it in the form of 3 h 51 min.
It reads 6 h 10 min
